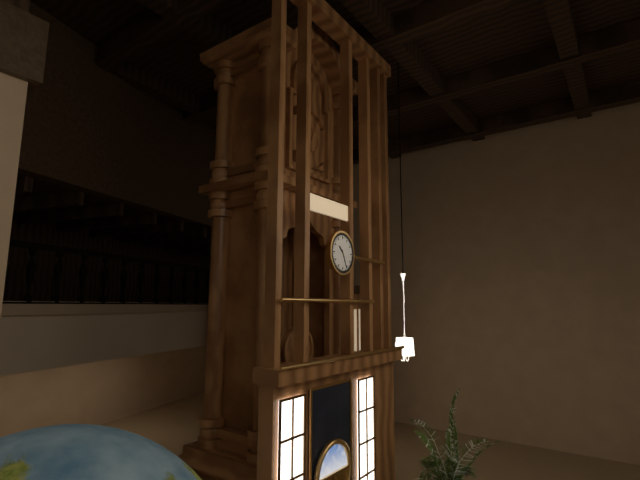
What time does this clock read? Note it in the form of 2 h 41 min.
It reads 10 h 26 min
